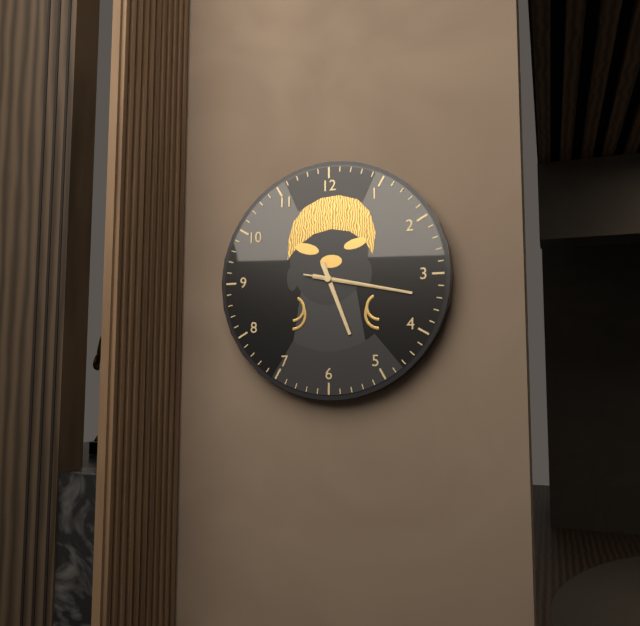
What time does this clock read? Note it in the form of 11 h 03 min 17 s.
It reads 5 h 17 min 17 s
